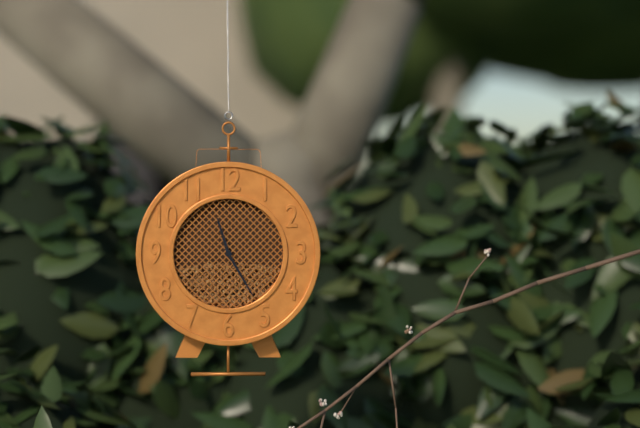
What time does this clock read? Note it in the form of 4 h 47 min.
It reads 11 h 25 min
